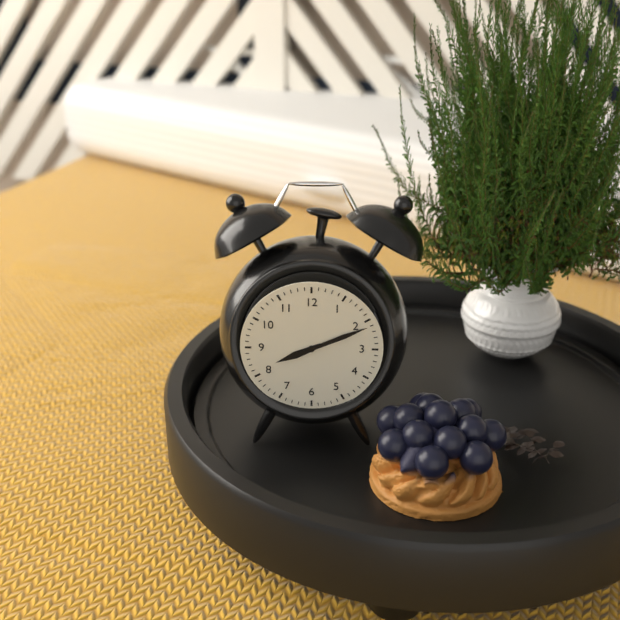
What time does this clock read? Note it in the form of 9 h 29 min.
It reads 8 h 11 min
